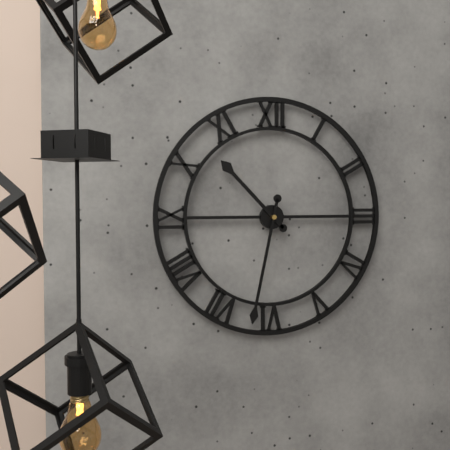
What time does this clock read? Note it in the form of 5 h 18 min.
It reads 10 h 32 min
